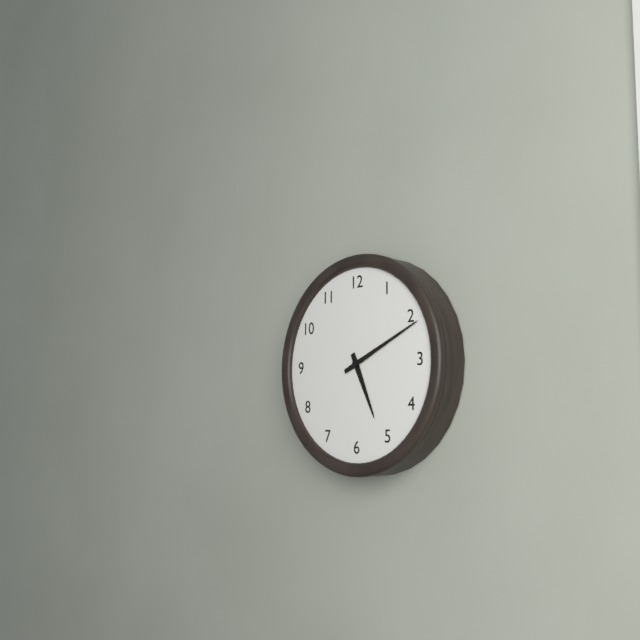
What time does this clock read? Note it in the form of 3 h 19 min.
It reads 5 h 11 min
